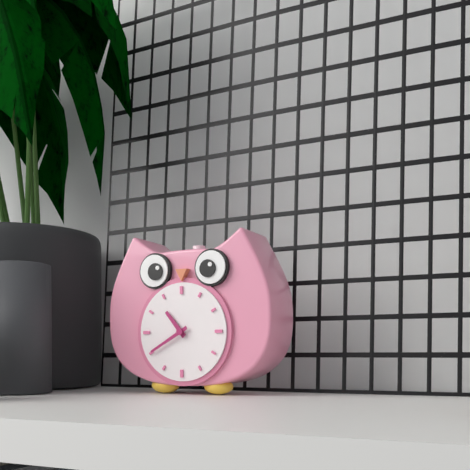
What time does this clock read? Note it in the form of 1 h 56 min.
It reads 10 h 40 min
